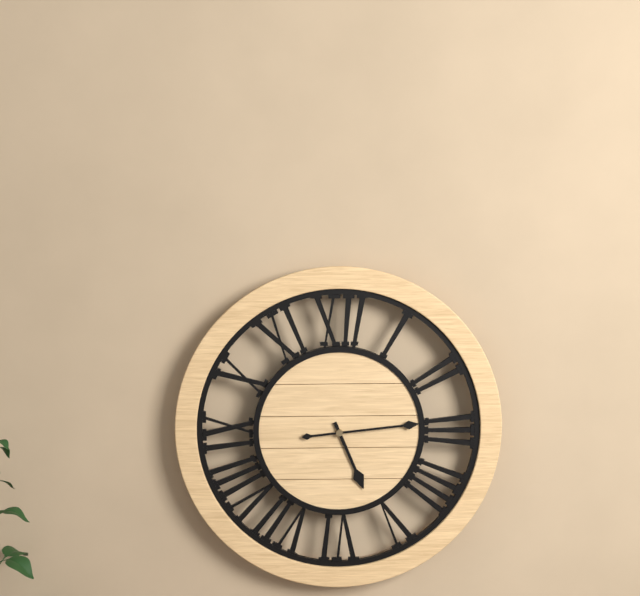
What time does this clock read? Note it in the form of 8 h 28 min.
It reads 5 h 14 min
